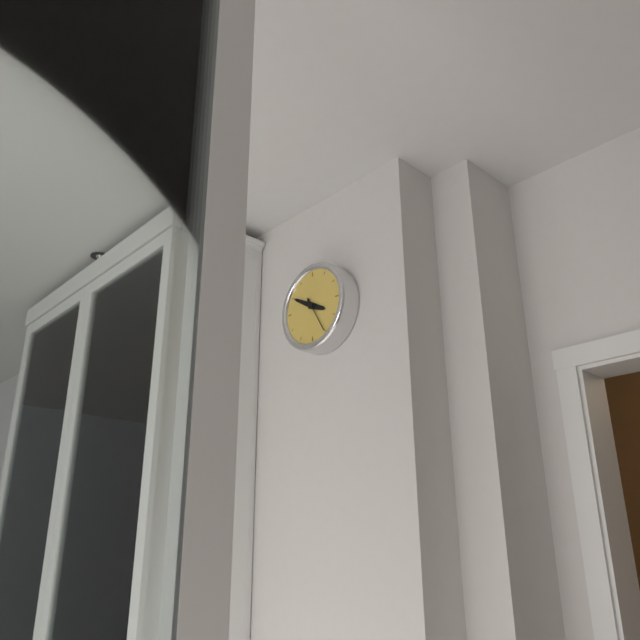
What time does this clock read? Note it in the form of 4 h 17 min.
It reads 3 h 50 min
